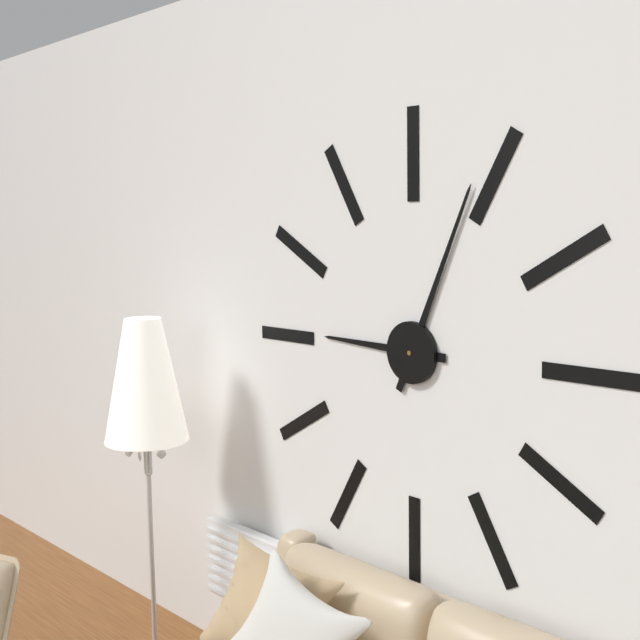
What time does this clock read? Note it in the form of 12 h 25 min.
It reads 9 h 04 min
